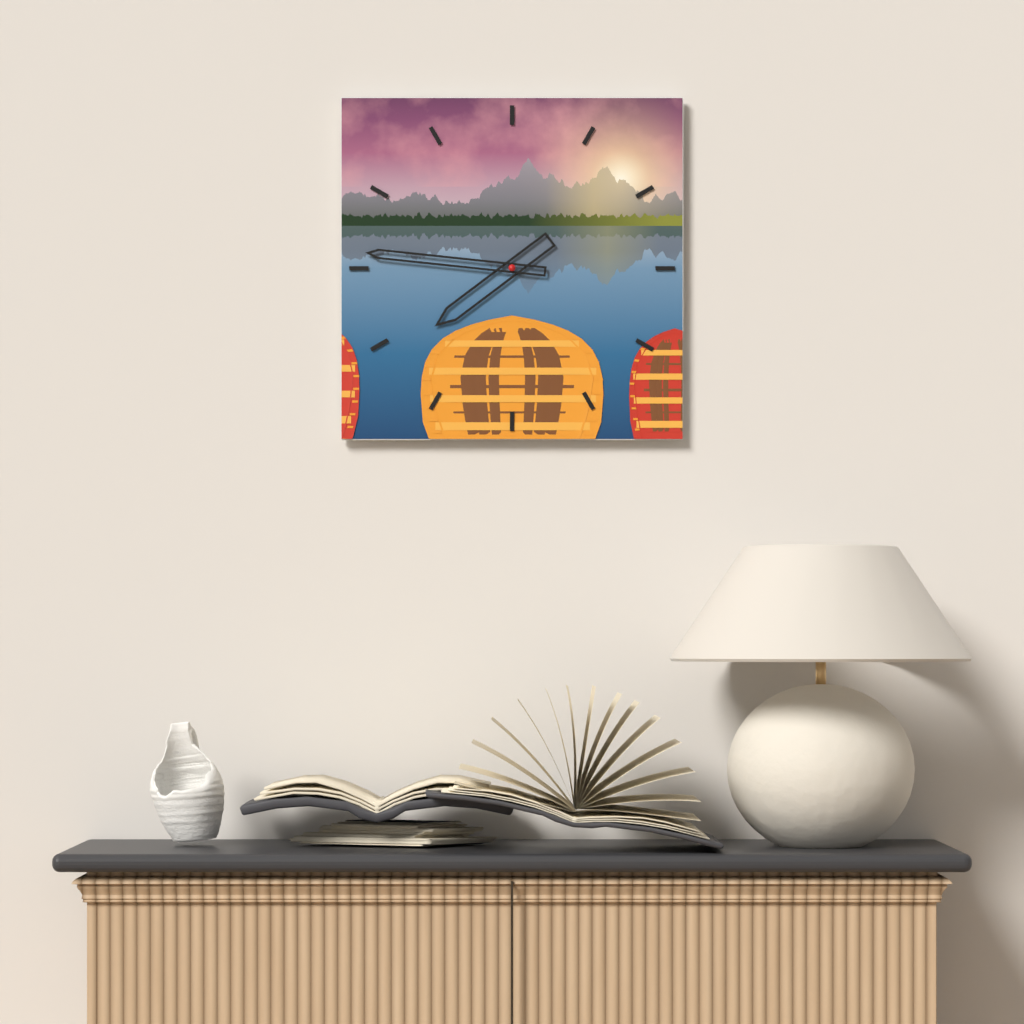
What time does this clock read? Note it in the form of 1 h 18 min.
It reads 7 h 46 min
